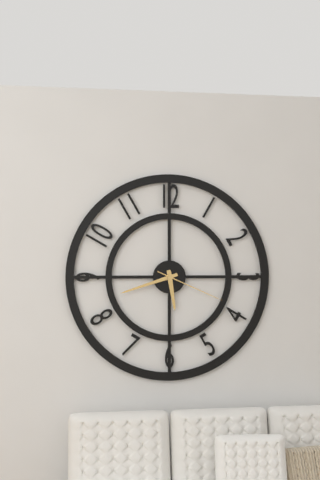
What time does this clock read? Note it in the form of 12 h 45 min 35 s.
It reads 5 h 42 min 19 s
